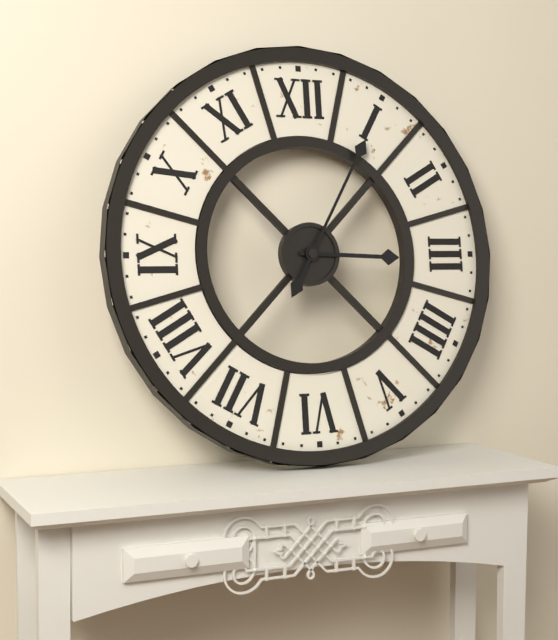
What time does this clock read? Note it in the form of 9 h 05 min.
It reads 3 h 05 min
